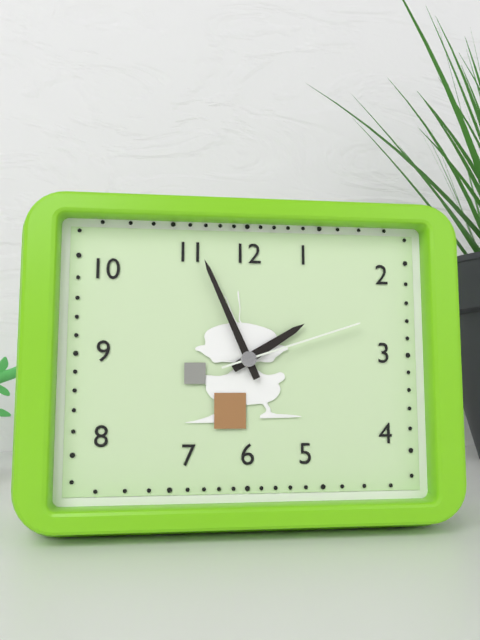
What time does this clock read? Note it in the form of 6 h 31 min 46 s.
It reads 1 h 56 min 12 s
